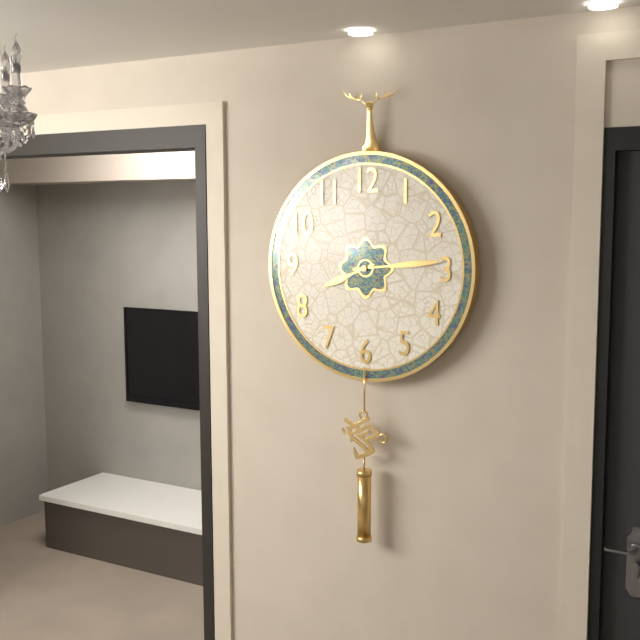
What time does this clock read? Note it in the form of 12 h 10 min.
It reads 8 h 14 min
